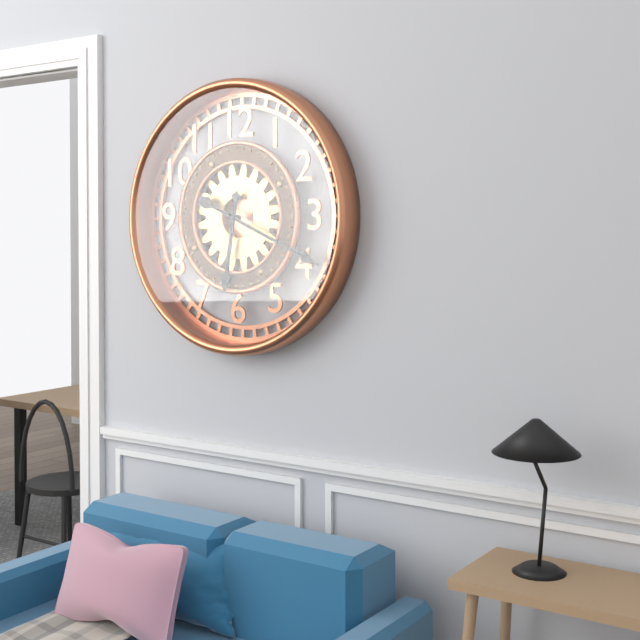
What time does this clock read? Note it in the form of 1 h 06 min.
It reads 6 h 19 min
